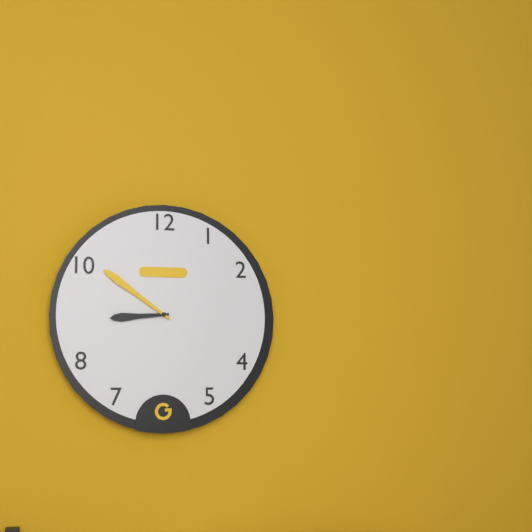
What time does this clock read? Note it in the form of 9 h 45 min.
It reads 8 h 51 min
